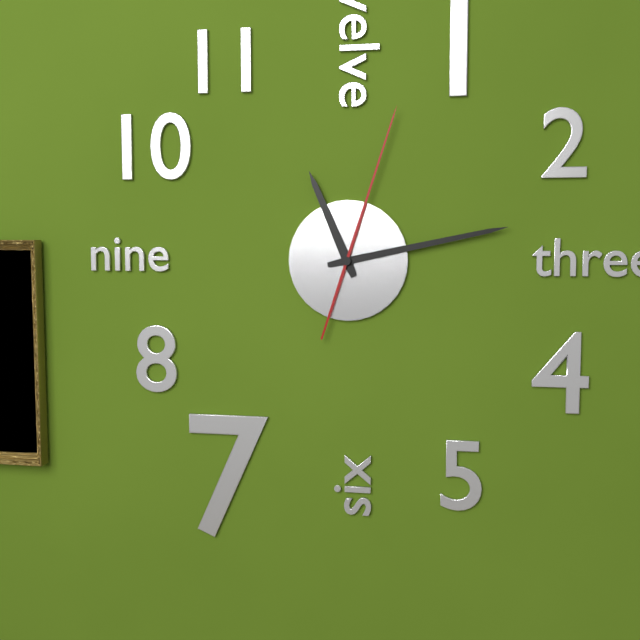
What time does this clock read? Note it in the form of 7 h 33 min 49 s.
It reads 11 h 13 min 03 s
